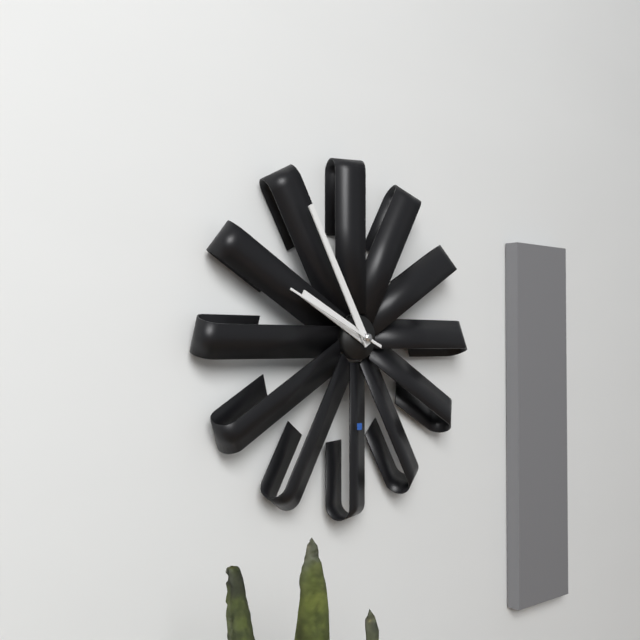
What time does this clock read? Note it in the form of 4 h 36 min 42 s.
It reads 9 h 55 min 49 s
